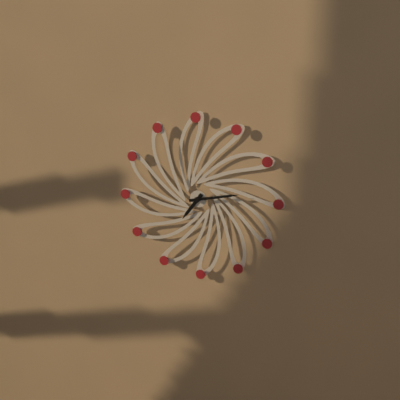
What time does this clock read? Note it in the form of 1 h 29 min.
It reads 7 h 13 min
